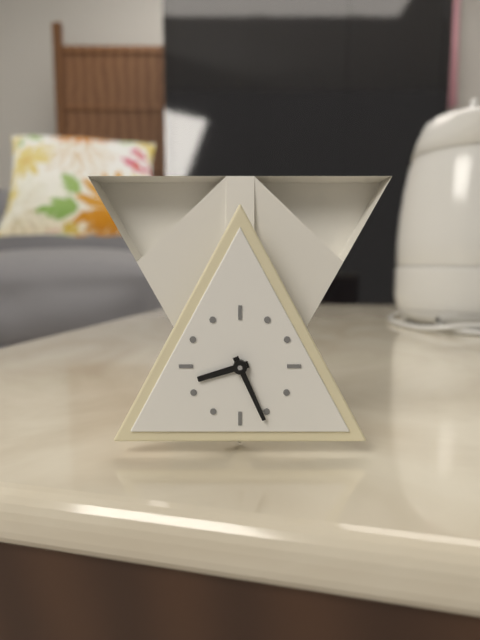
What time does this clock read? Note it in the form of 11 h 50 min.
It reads 8 h 26 min
